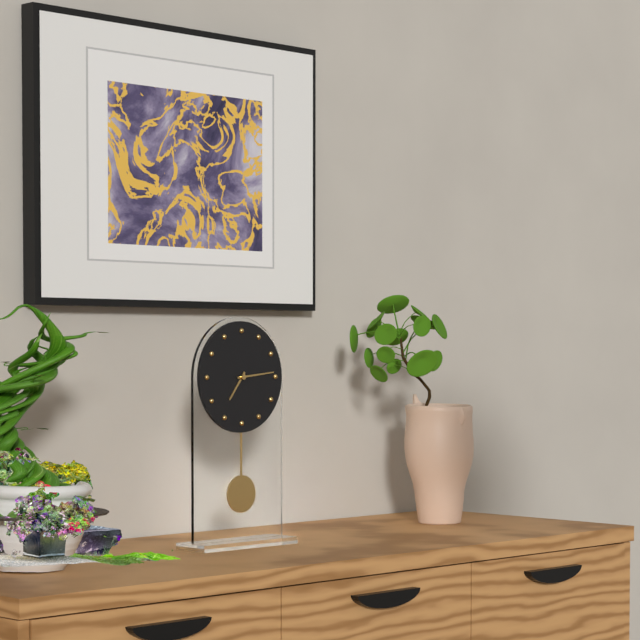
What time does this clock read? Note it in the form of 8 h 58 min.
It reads 7 h 14 min
